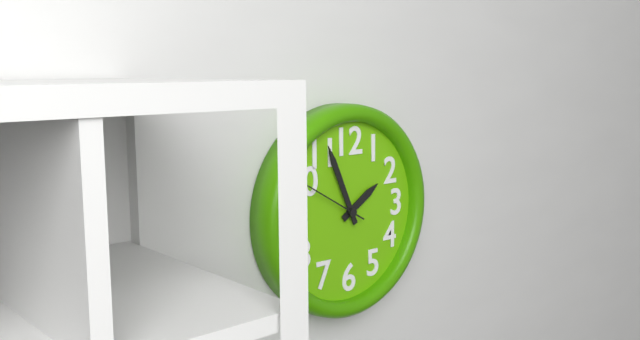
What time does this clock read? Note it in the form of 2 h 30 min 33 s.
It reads 1 h 56 min 50 s
